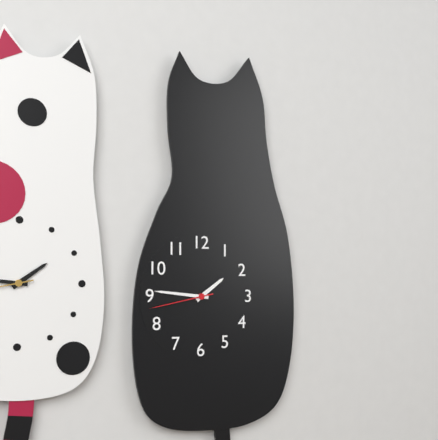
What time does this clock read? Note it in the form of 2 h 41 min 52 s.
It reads 1 h 46 min 43 s
